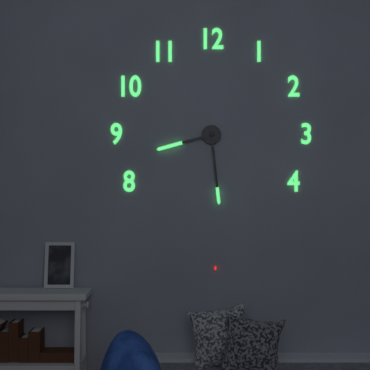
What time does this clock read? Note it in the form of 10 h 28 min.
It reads 8 h 29 min
